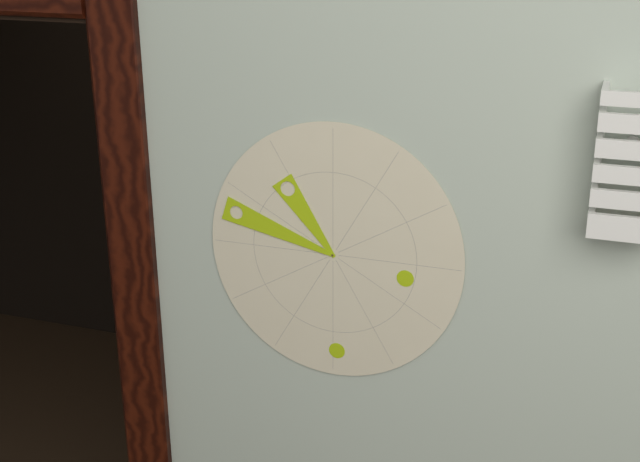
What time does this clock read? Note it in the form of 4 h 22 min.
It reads 10 h 48 min
